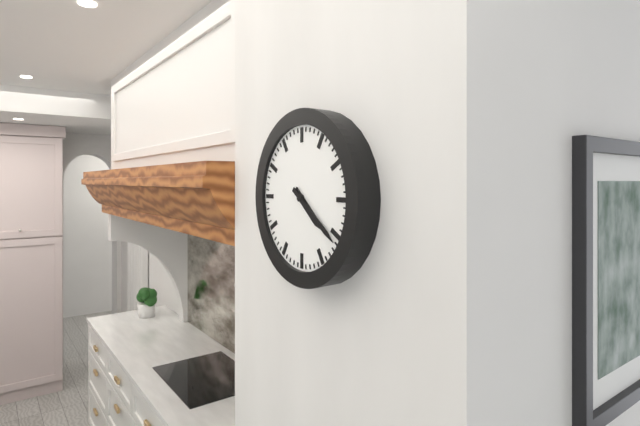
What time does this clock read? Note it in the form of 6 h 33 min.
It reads 4 h 21 min
